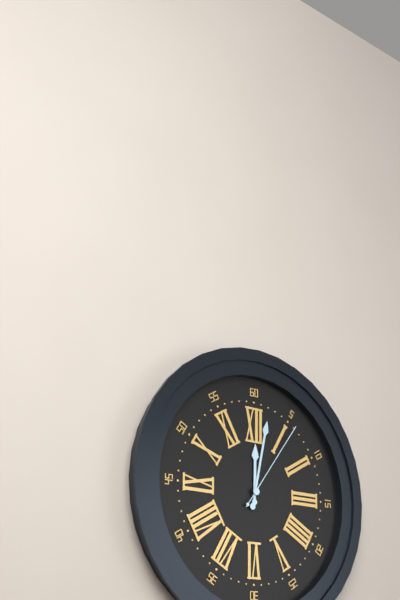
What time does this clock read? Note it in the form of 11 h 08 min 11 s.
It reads 12 h 02 min 06 s
